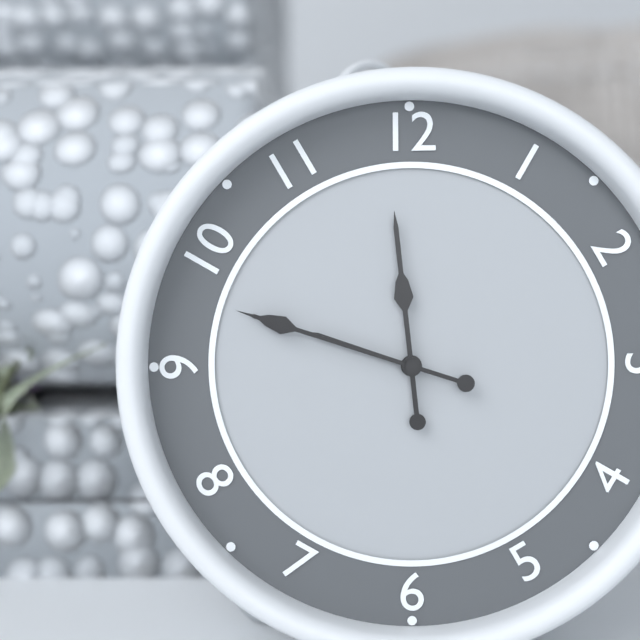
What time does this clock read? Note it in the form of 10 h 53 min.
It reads 11 h 48 min
